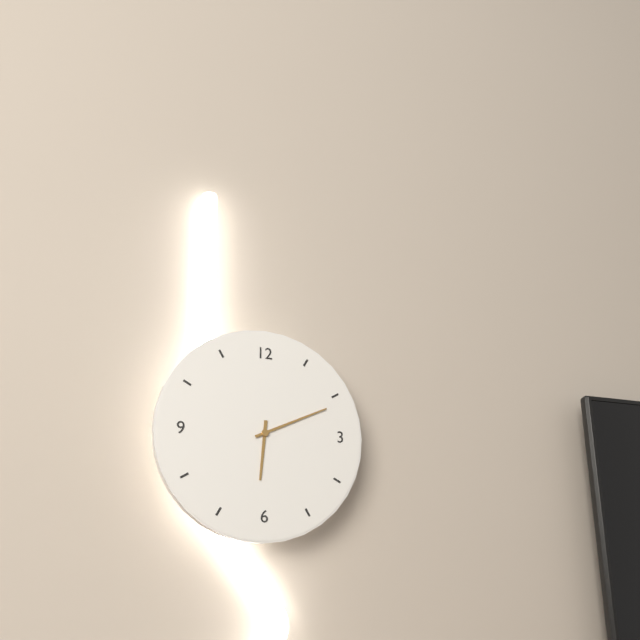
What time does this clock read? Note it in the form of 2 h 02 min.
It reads 6 h 11 min
